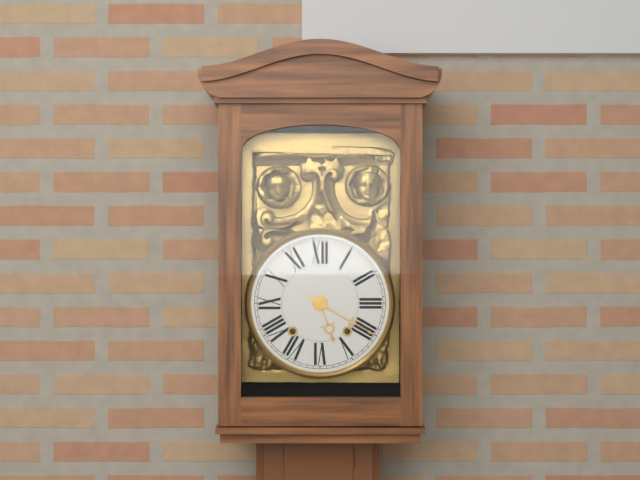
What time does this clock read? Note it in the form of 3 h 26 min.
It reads 5 h 20 min
